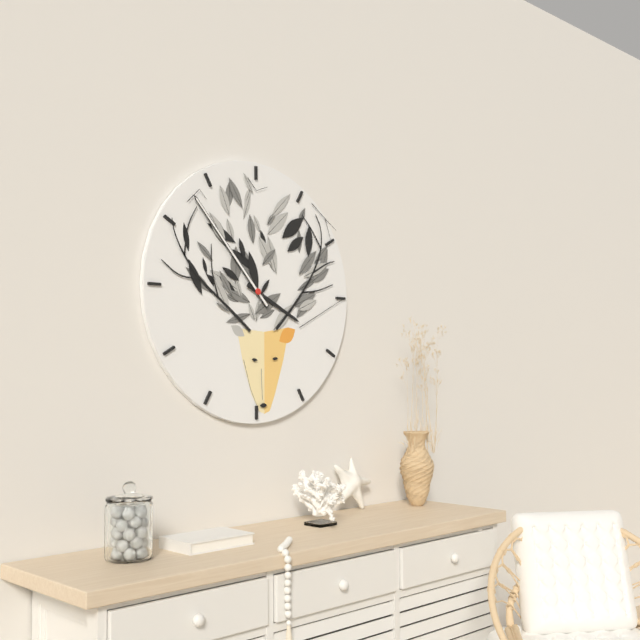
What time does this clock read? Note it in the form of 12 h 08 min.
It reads 3 h 53 min
